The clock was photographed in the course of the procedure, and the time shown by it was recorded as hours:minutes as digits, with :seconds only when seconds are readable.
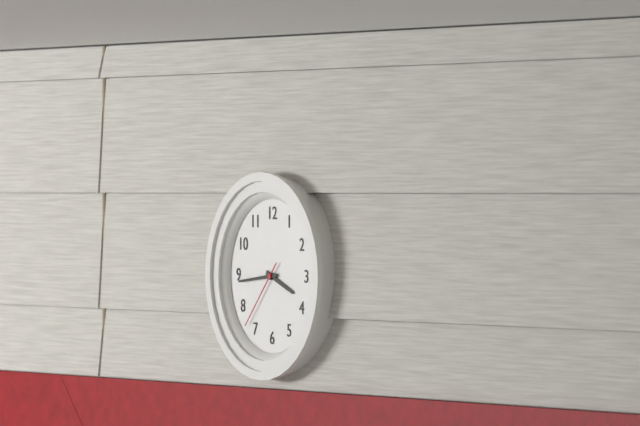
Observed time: 3:44:37
